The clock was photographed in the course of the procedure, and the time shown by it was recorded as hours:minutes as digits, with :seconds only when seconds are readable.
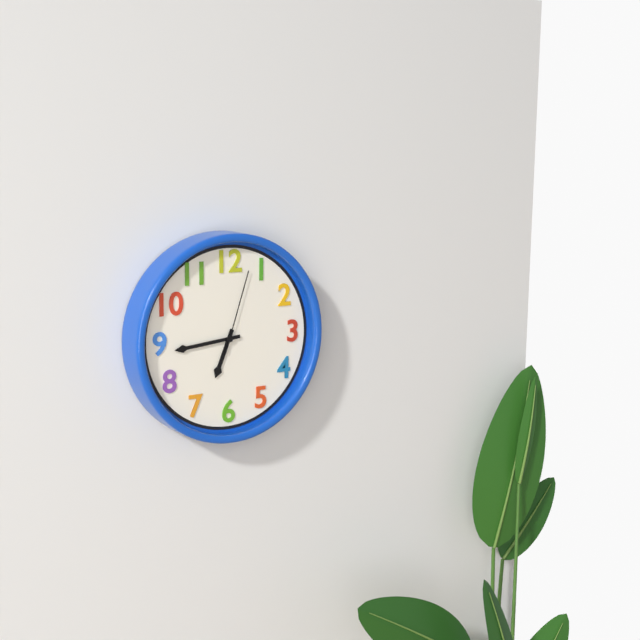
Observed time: 6:44:03
